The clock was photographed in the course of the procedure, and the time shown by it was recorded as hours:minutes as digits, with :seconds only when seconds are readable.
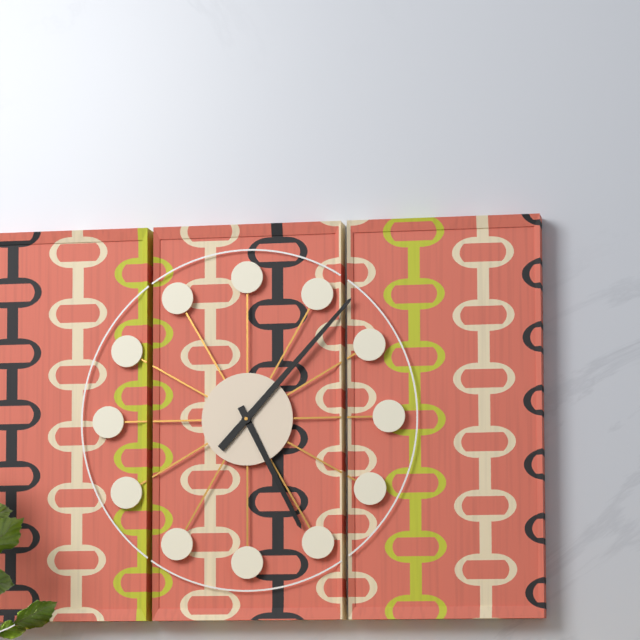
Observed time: 5:07
